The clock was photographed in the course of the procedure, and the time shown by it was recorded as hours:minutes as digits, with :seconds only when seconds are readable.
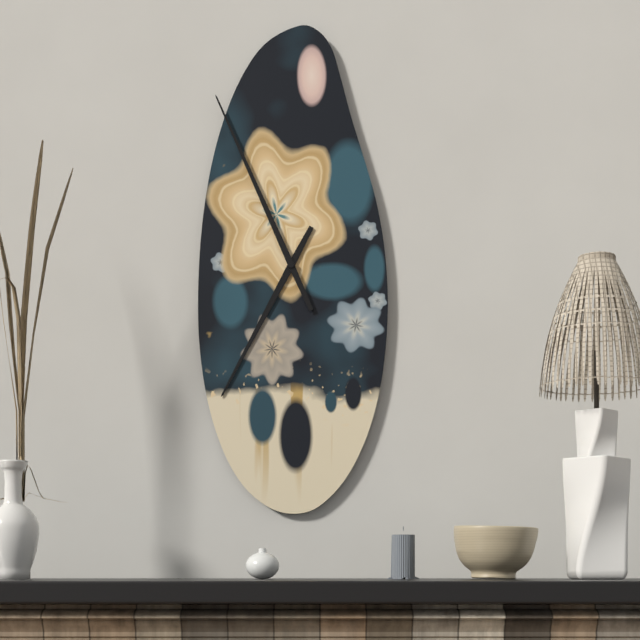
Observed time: 6:56
